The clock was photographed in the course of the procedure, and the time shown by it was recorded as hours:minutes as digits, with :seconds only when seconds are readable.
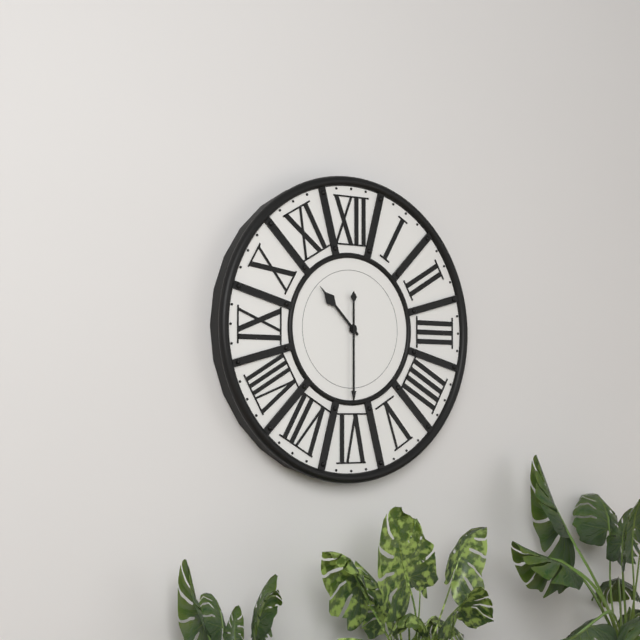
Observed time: 10:30
